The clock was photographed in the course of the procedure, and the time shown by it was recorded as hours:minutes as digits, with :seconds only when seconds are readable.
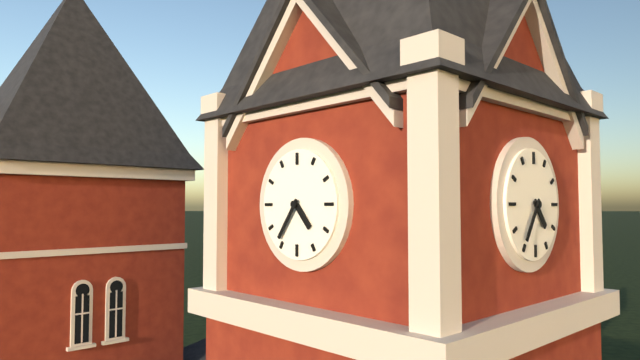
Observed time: 4:36
